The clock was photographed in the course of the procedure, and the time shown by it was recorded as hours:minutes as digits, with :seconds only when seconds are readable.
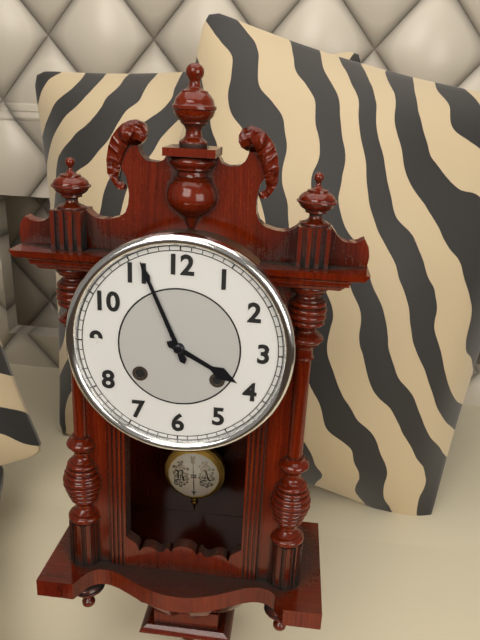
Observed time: 3:56
